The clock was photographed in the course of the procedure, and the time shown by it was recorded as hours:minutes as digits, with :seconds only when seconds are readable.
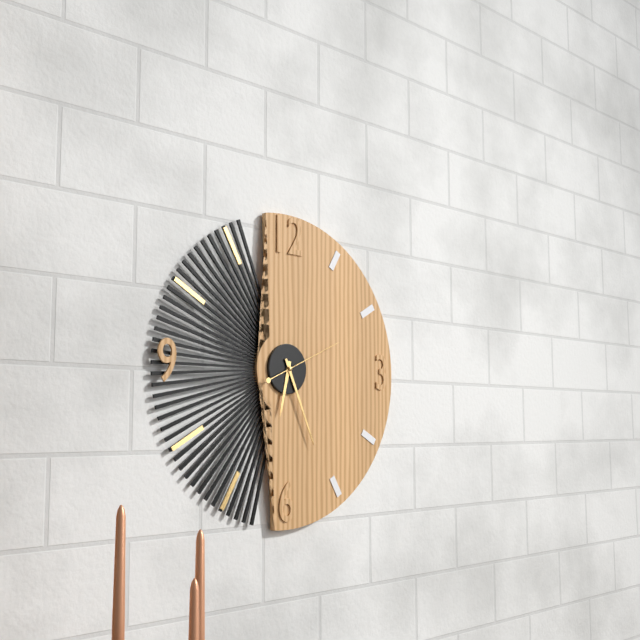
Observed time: 6:26:11
